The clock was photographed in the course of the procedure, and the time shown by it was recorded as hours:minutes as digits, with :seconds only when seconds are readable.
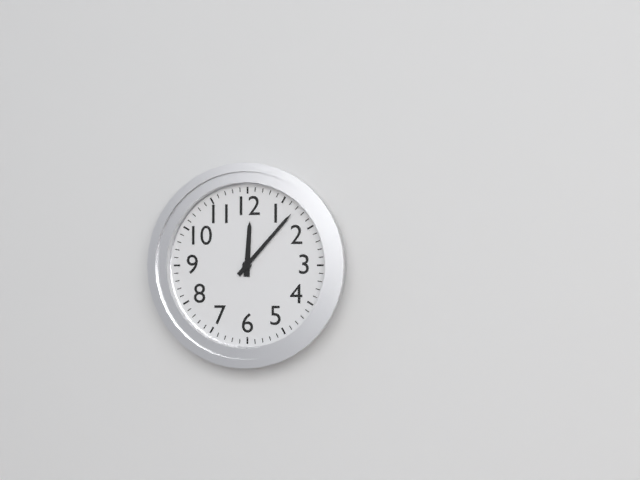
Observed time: 12:07
